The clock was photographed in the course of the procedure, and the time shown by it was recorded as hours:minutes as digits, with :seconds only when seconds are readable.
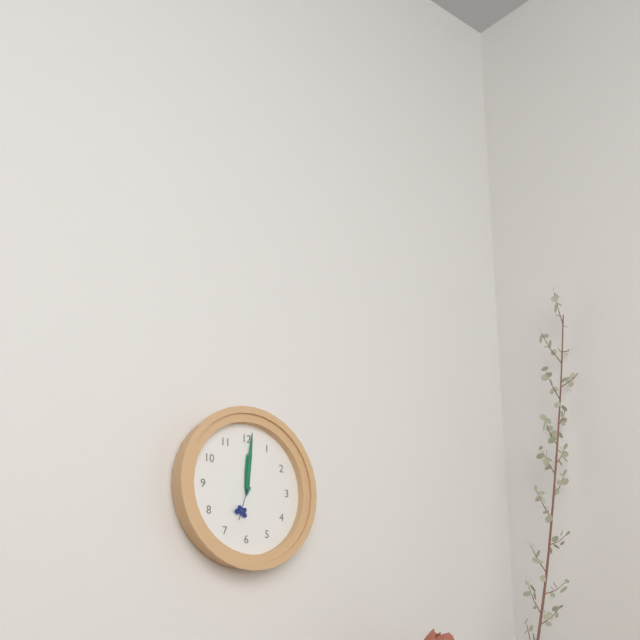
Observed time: 12:01
